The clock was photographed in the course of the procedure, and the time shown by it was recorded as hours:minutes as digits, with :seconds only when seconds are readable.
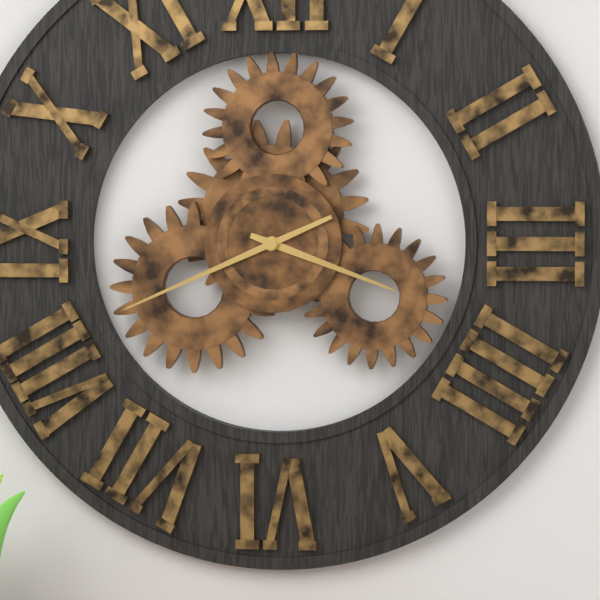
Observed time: 3:41
